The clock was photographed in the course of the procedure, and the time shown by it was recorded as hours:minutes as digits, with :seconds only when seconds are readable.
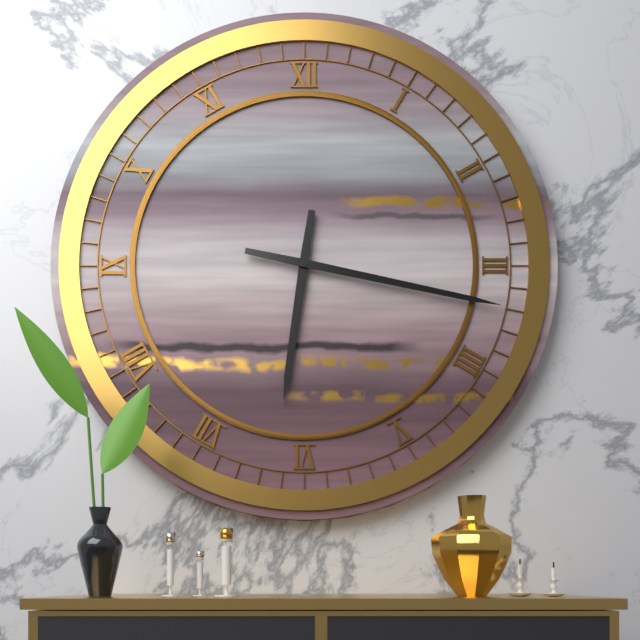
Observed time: 6:17
